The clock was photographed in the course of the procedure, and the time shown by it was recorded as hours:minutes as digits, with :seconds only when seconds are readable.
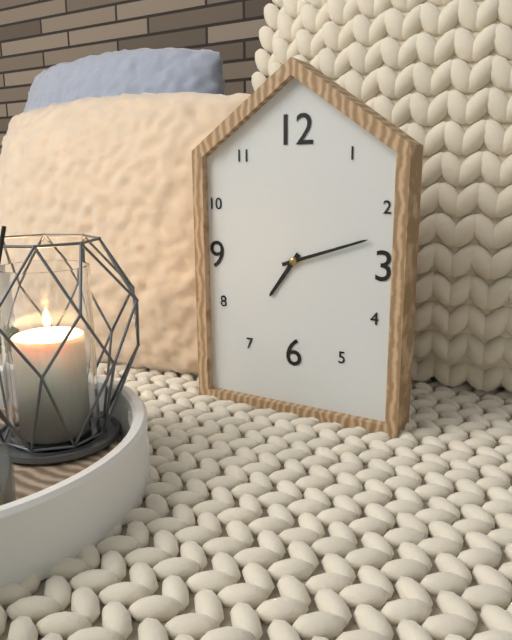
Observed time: 7:12
